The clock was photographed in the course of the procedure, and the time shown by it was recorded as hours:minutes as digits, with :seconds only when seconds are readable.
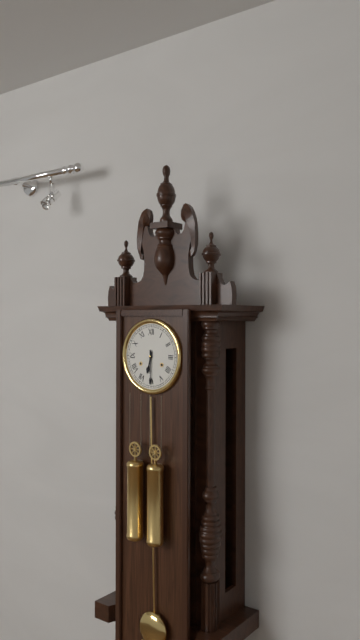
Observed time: 6:30
